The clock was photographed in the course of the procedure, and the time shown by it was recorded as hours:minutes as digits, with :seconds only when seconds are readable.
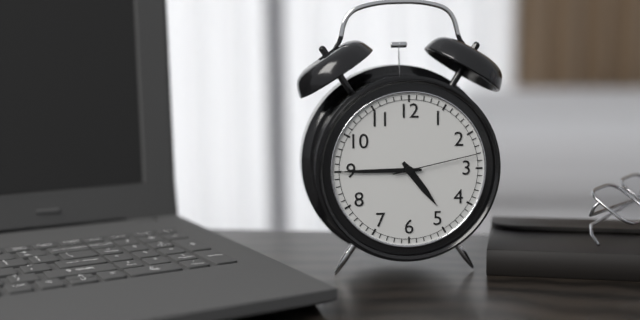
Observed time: 4:45:13
